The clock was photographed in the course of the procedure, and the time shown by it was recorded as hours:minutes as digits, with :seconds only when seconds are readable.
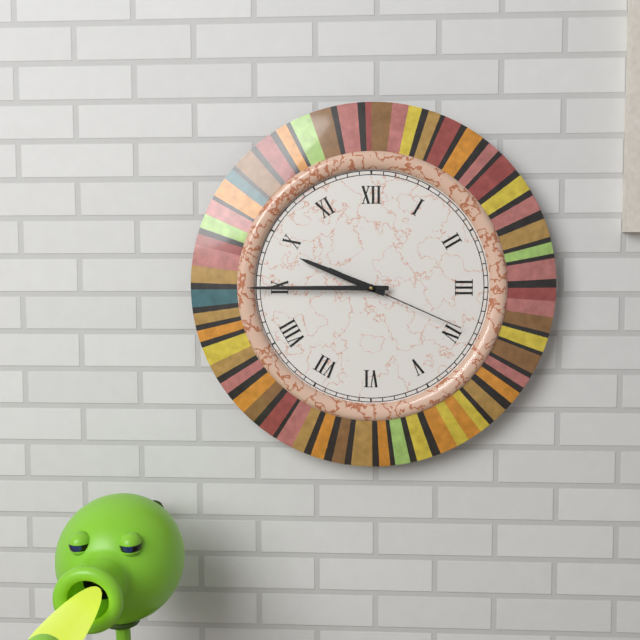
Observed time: 9:45:19
